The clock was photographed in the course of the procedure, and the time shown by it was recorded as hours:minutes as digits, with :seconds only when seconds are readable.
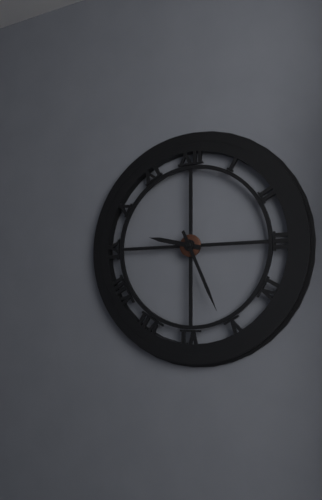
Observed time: 9:26
